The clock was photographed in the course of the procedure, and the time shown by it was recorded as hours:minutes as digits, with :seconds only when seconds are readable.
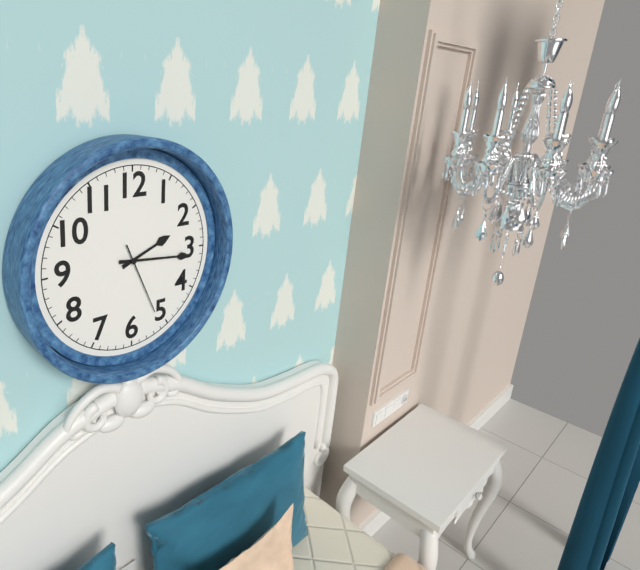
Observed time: 2:16:26
